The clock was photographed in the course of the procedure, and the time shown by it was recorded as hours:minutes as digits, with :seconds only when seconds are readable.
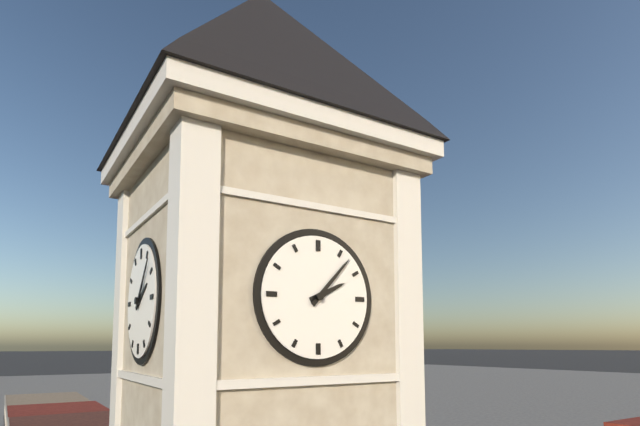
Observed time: 2:07
